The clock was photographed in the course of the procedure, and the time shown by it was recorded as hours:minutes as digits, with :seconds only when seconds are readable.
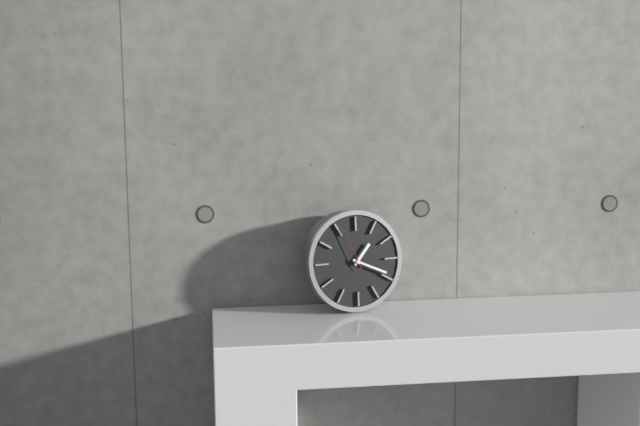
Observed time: 1:19
